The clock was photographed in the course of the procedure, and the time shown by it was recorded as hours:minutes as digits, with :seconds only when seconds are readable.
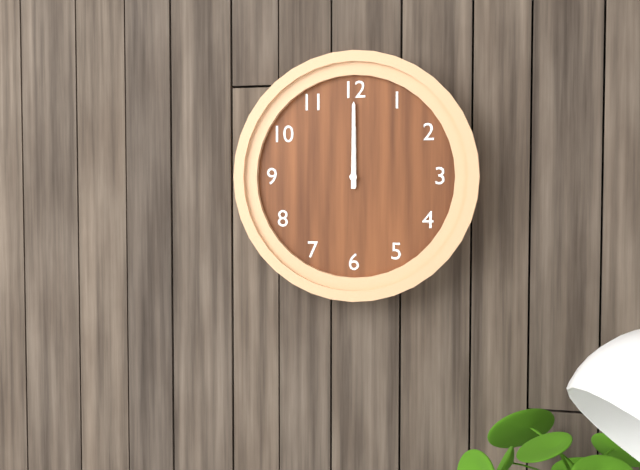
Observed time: 12:00
